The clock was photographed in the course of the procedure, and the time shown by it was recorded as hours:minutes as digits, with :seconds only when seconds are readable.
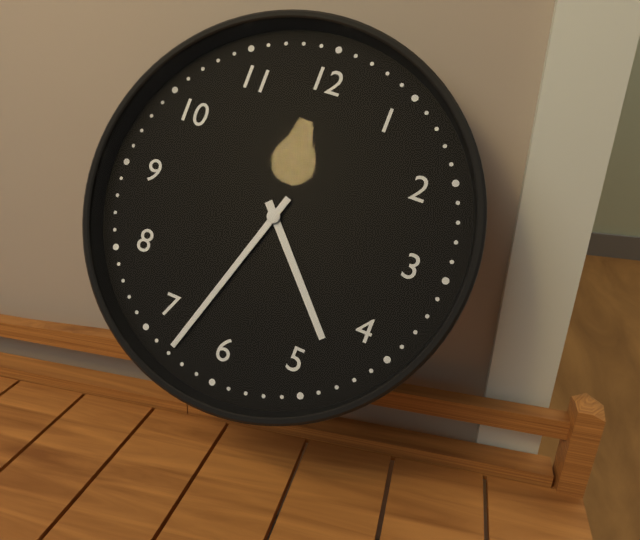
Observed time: 4:33
